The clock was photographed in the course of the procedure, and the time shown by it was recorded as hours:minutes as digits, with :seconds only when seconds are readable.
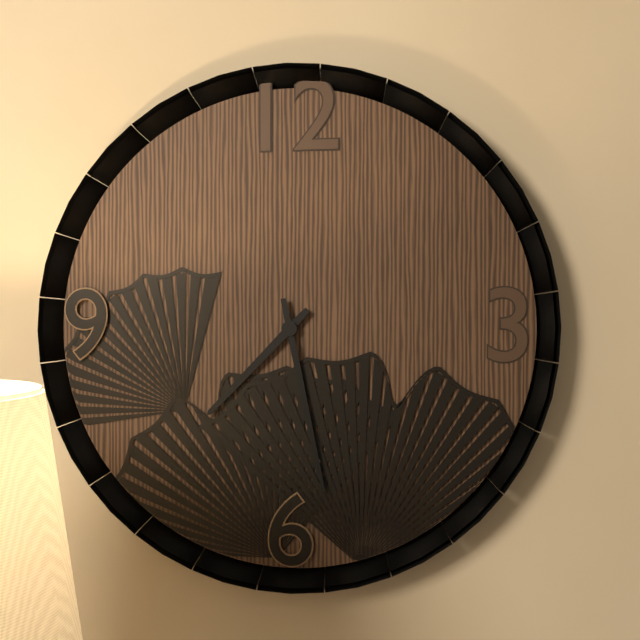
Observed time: 7:28
